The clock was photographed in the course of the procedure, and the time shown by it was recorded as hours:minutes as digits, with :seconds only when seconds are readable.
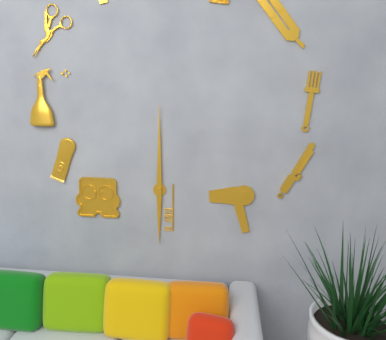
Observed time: 6:00
